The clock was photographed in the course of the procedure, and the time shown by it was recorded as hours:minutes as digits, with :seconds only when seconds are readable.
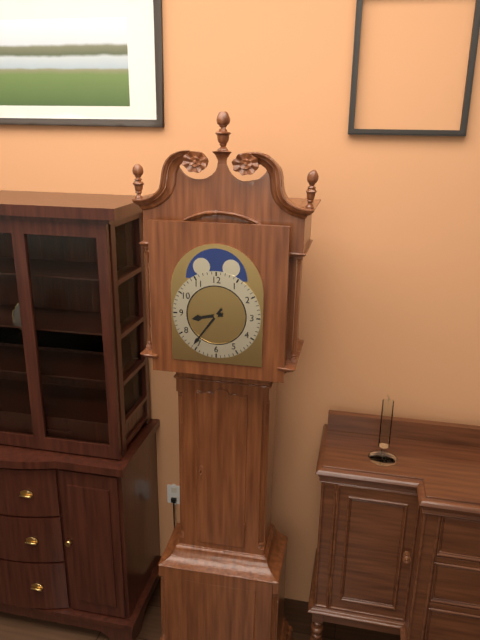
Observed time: 8:36
